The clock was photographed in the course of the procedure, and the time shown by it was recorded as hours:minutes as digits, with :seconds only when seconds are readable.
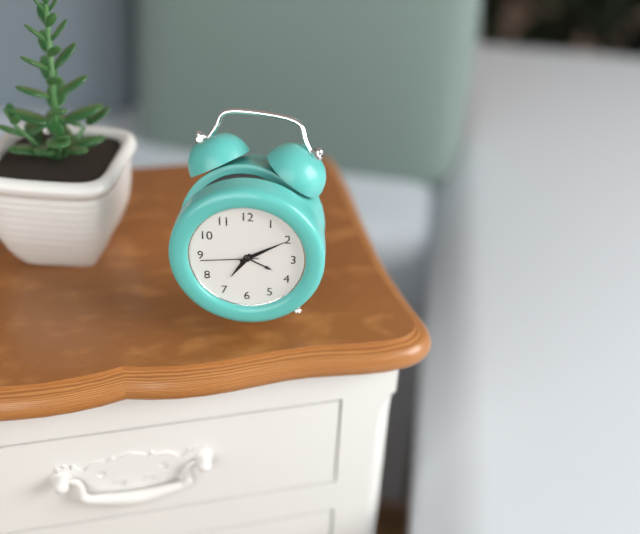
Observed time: 7:10:44
